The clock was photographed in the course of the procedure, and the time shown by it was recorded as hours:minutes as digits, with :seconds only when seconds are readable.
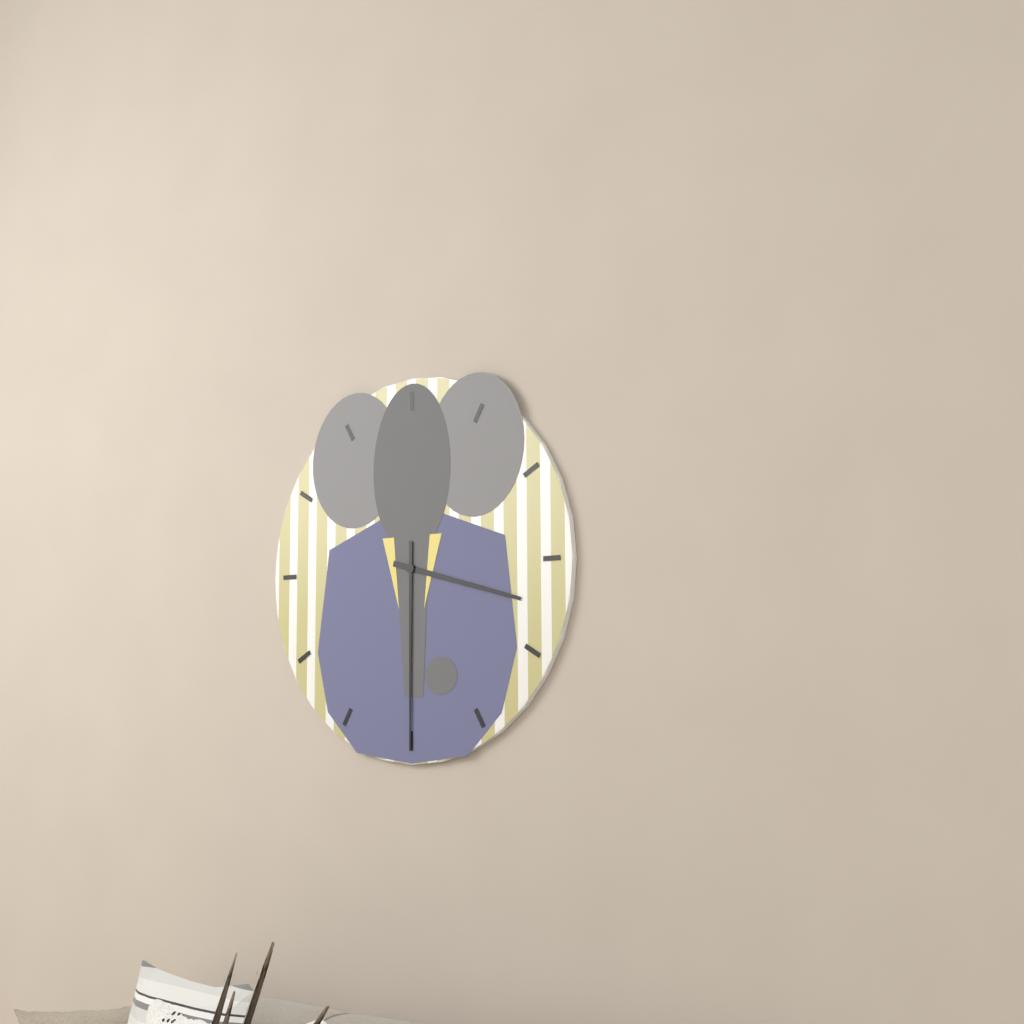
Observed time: 3:30
